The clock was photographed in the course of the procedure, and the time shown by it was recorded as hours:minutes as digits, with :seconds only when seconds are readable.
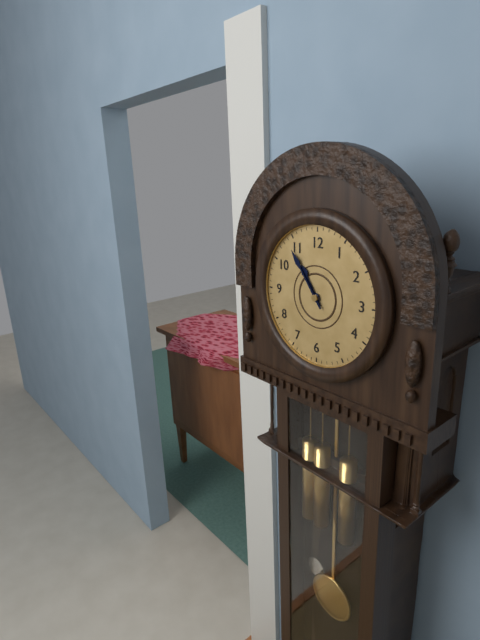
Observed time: 10:54
